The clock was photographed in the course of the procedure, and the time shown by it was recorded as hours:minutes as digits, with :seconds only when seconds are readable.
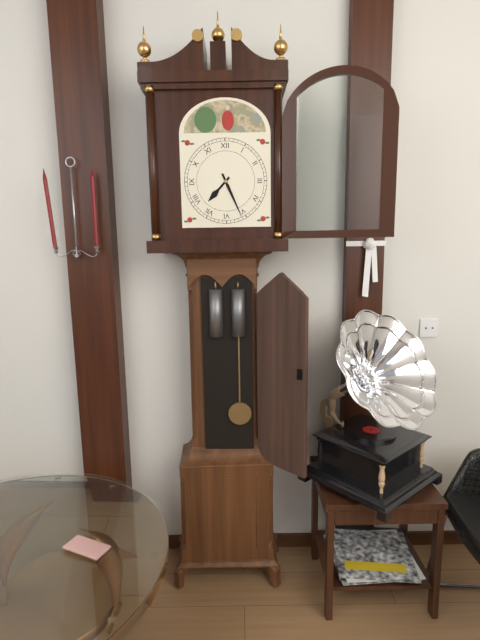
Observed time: 7:26
